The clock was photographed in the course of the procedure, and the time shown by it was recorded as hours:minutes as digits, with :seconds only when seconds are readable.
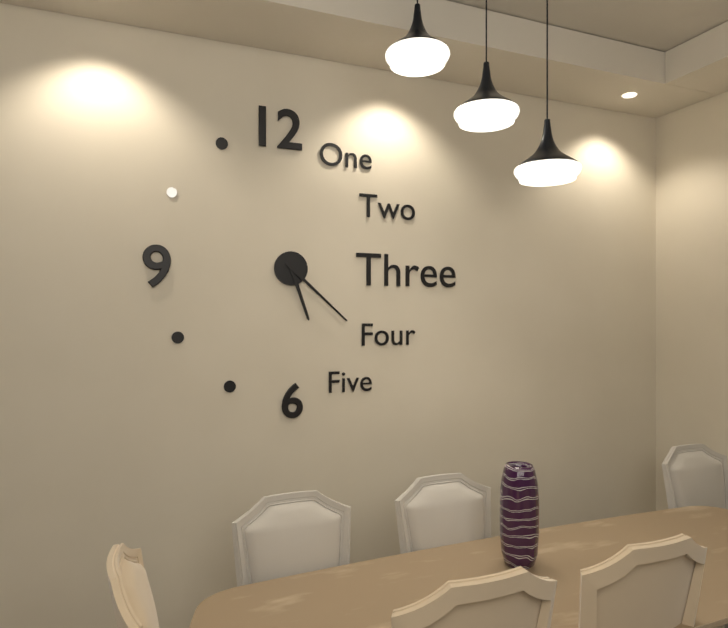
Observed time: 5:22
